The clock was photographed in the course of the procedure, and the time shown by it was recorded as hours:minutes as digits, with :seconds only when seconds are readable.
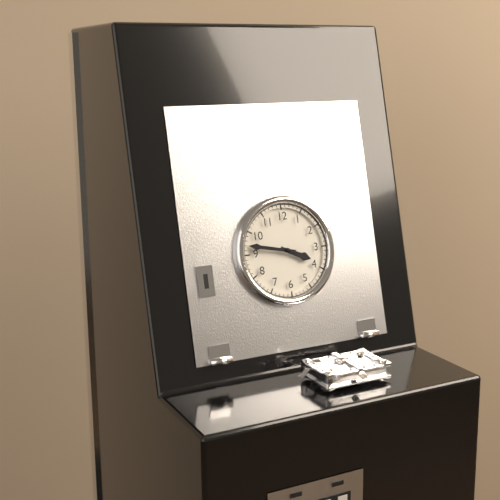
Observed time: 3:47
